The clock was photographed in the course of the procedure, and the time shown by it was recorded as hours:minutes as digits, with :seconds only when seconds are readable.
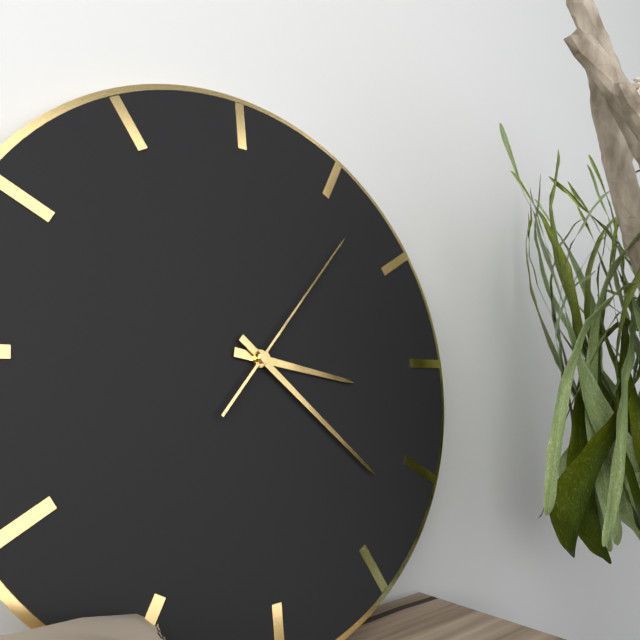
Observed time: 3:22:07
